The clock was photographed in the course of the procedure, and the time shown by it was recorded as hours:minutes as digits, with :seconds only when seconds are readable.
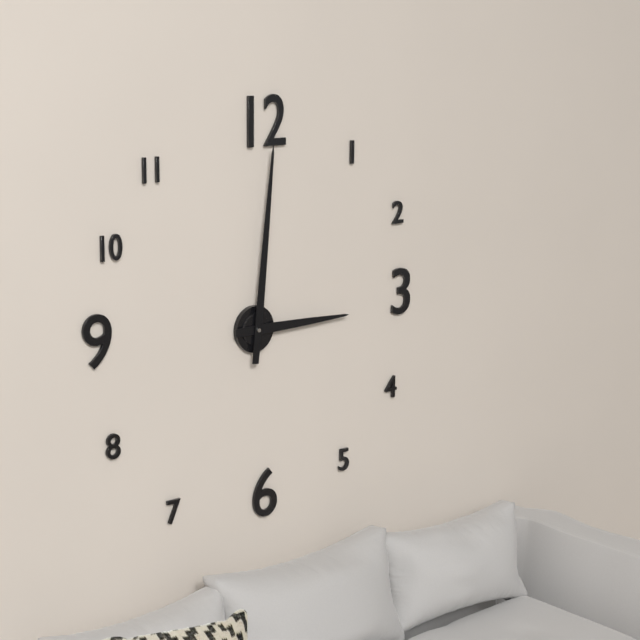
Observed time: 3:01
